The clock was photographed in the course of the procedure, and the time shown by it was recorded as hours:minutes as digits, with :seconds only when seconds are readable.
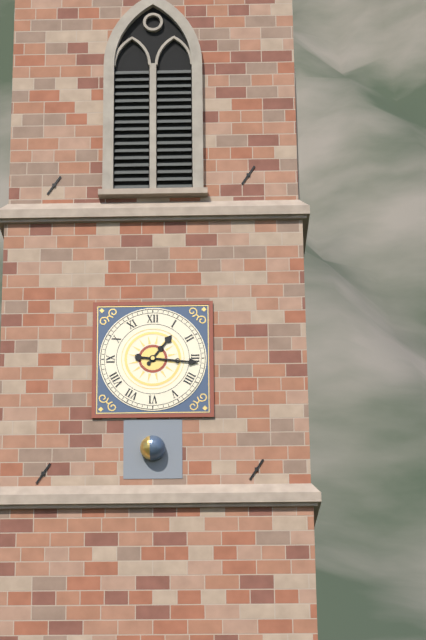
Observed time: 1:16
